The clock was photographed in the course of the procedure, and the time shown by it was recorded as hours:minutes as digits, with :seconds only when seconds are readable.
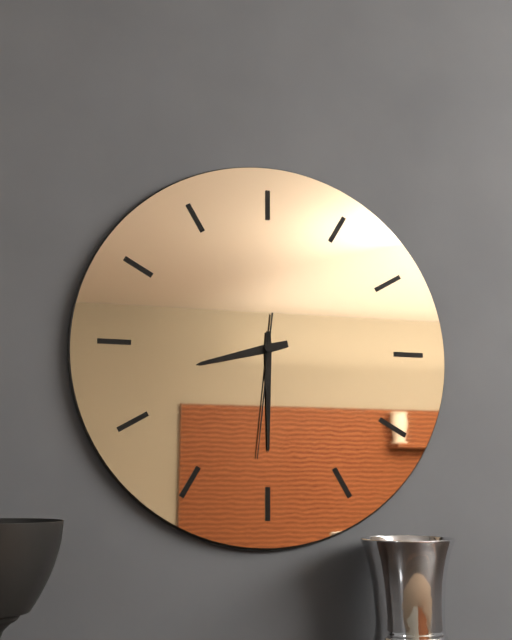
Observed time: 8:30:31
